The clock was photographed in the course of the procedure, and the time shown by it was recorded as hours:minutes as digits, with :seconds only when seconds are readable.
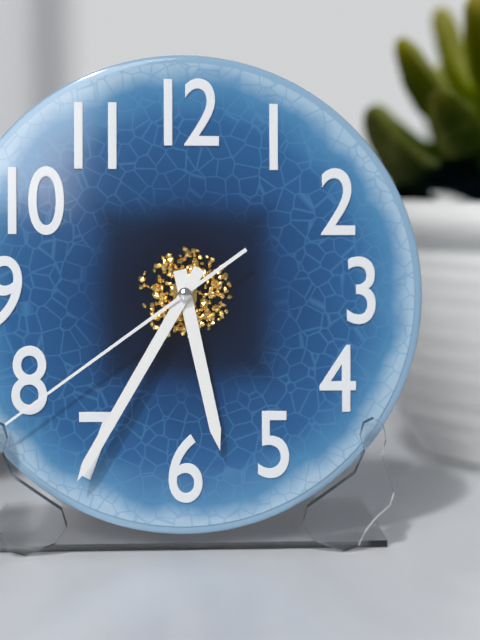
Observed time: 5:35:39
